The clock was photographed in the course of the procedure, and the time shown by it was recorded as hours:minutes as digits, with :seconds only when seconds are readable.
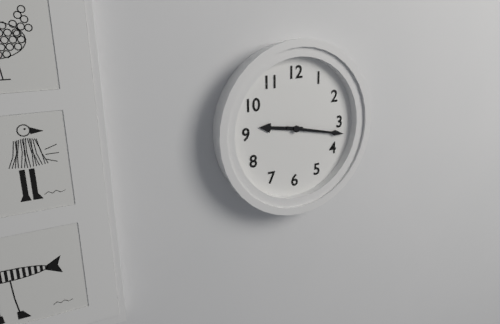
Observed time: 9:17
